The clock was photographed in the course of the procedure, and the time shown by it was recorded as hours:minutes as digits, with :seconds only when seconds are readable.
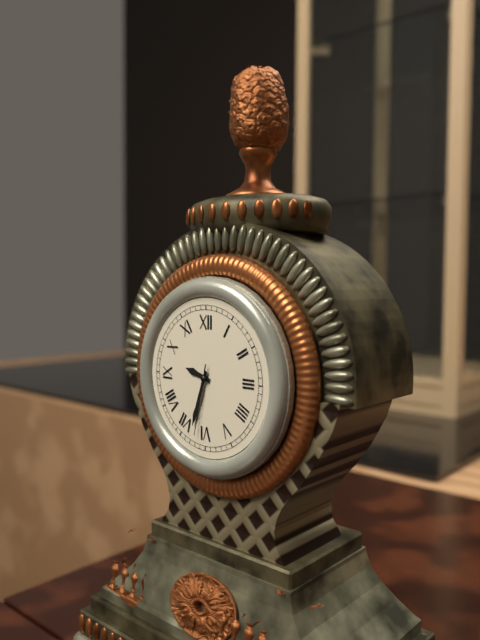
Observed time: 9:33:32
